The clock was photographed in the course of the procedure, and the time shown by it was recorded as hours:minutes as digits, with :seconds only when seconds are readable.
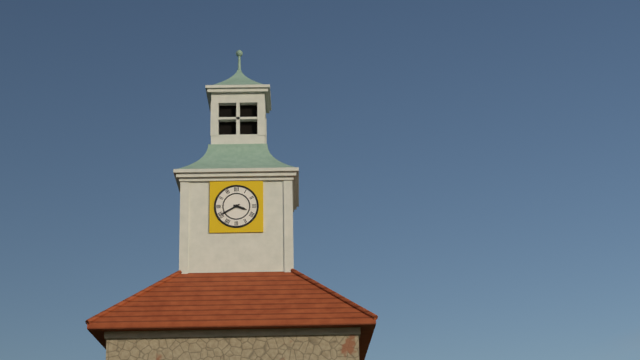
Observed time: 3:40
